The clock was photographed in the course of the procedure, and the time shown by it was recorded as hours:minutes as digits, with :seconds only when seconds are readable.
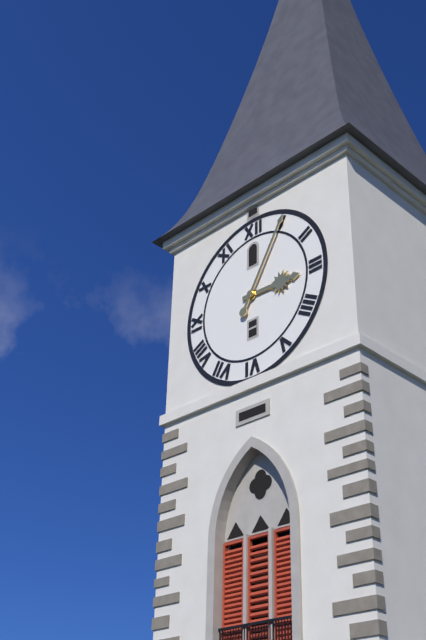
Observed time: 3:05
